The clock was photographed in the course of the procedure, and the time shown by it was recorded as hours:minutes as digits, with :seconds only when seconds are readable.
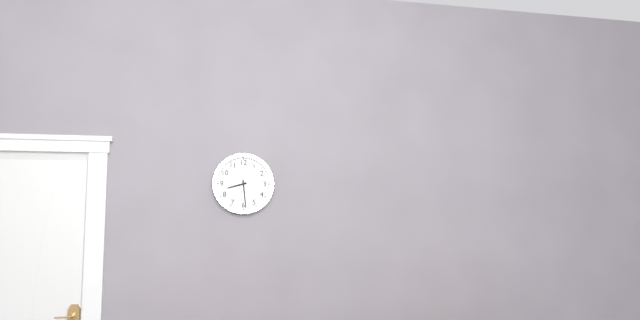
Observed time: 8:29
